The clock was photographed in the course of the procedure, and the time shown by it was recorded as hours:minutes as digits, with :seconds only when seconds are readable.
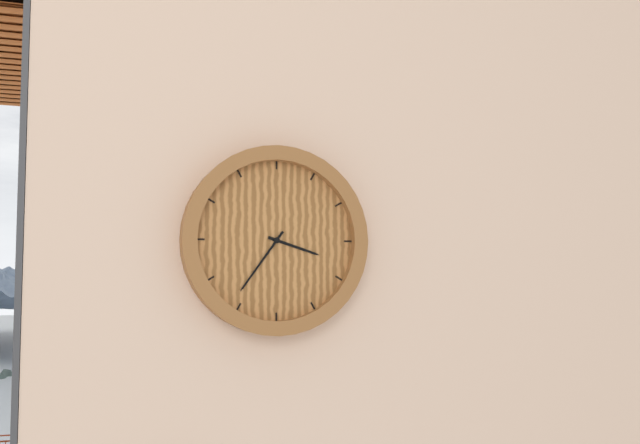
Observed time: 3:36
